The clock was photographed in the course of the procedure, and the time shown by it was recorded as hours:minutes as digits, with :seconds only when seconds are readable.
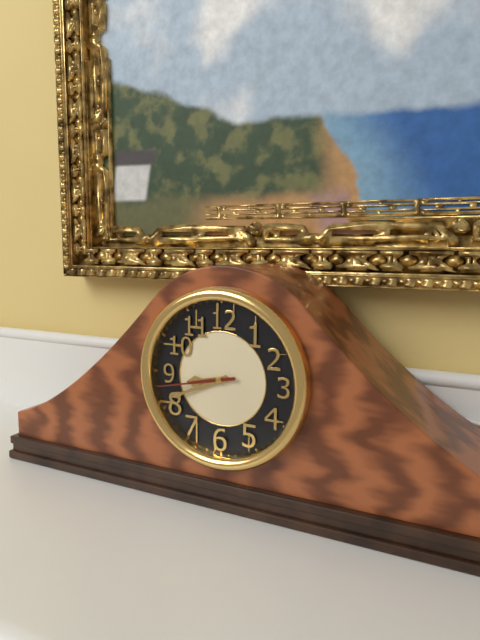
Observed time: 8:41:43
